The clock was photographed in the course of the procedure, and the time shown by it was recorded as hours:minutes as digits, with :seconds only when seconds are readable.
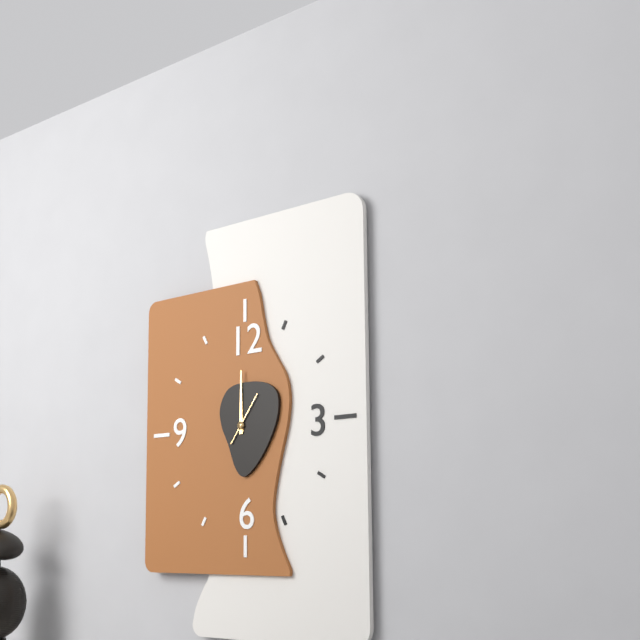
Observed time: 12:00
